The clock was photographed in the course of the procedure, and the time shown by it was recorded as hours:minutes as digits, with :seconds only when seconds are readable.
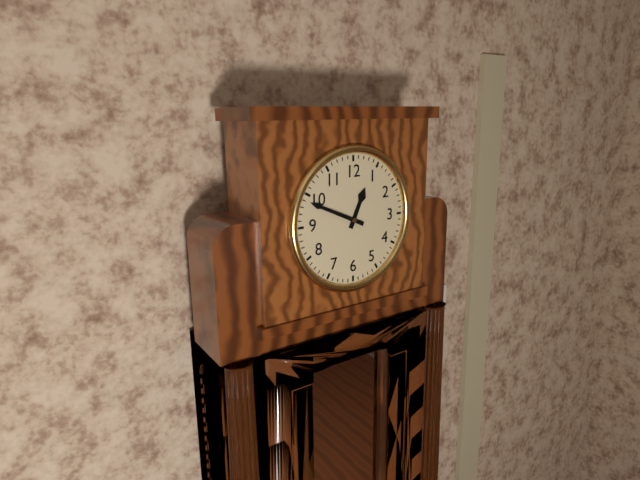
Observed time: 12:49
